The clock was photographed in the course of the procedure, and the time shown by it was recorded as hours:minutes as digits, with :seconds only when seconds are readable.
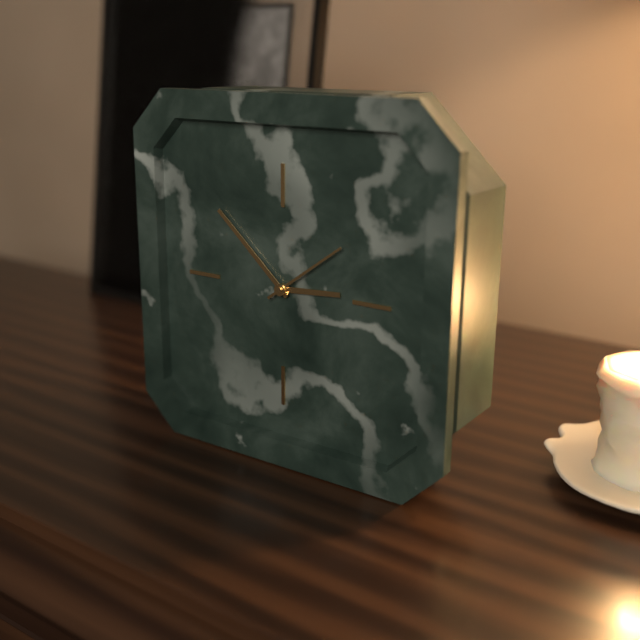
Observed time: 2:52:09
